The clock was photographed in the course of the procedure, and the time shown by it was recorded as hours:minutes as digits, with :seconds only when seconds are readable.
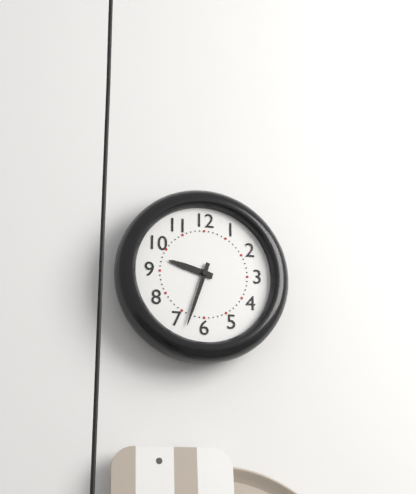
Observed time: 9:33
